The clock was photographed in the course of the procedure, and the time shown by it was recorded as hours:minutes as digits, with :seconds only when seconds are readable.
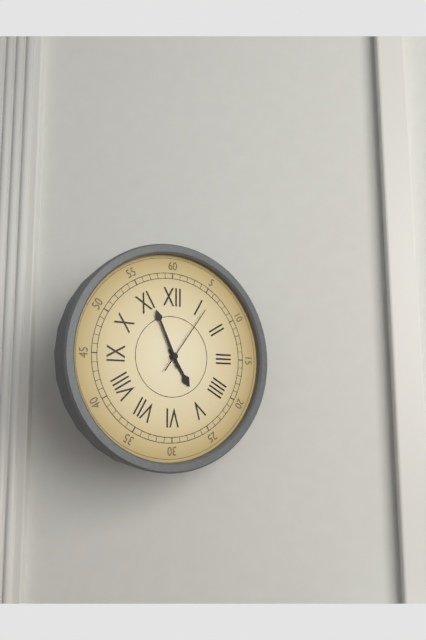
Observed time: 4:56:06
